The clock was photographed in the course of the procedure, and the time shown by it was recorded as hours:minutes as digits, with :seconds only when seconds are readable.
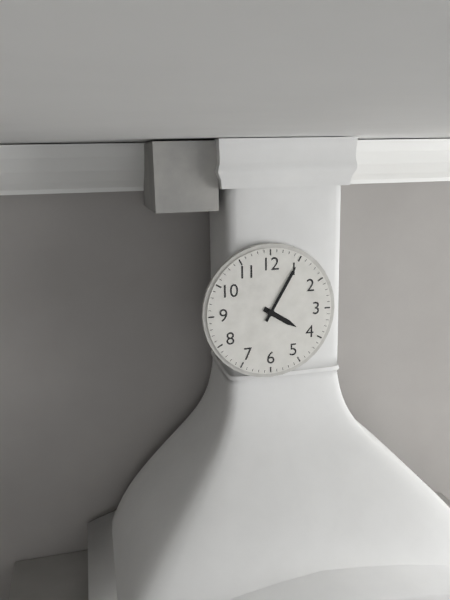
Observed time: 4:05
